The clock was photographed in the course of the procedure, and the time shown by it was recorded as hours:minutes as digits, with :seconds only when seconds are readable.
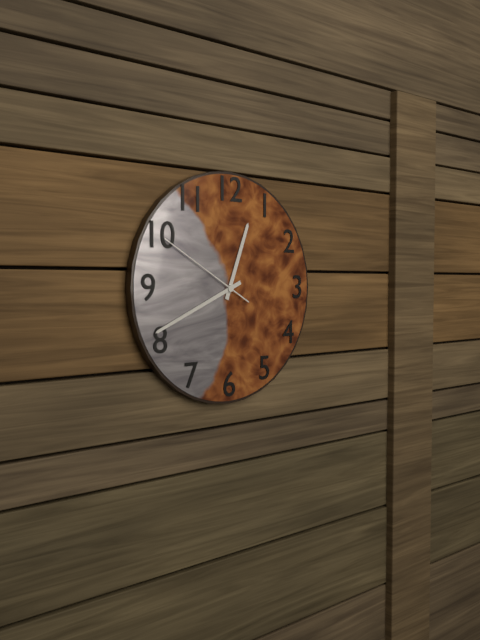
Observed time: 12:41:50
